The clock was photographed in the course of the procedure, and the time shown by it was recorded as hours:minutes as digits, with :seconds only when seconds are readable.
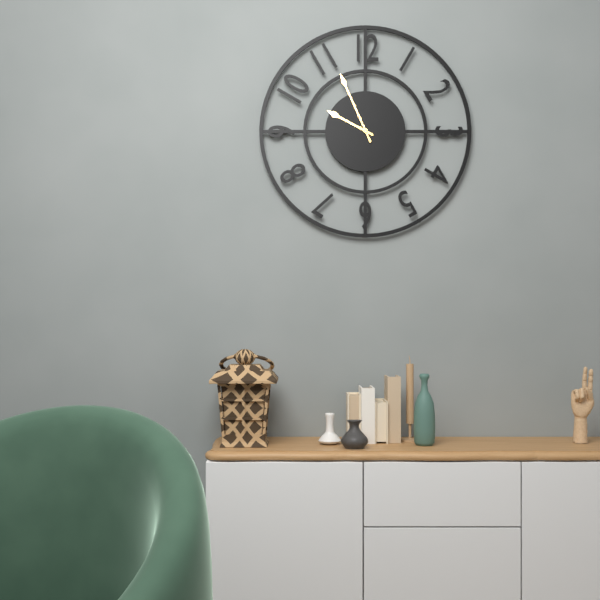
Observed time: 9:56
